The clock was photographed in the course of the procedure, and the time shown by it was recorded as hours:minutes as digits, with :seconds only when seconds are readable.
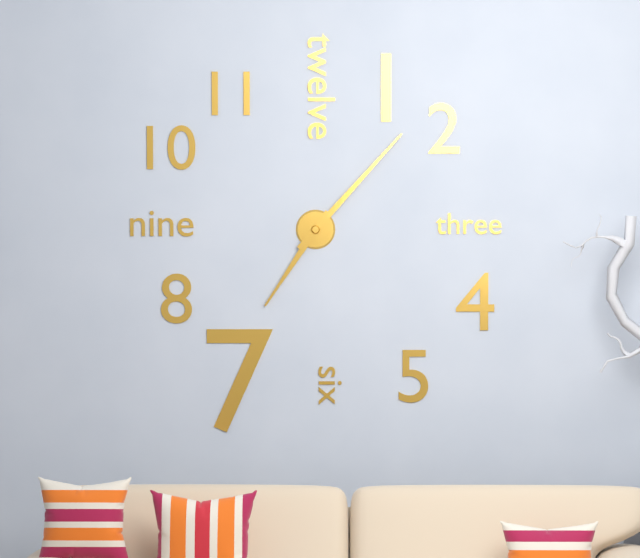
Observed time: 7:07
